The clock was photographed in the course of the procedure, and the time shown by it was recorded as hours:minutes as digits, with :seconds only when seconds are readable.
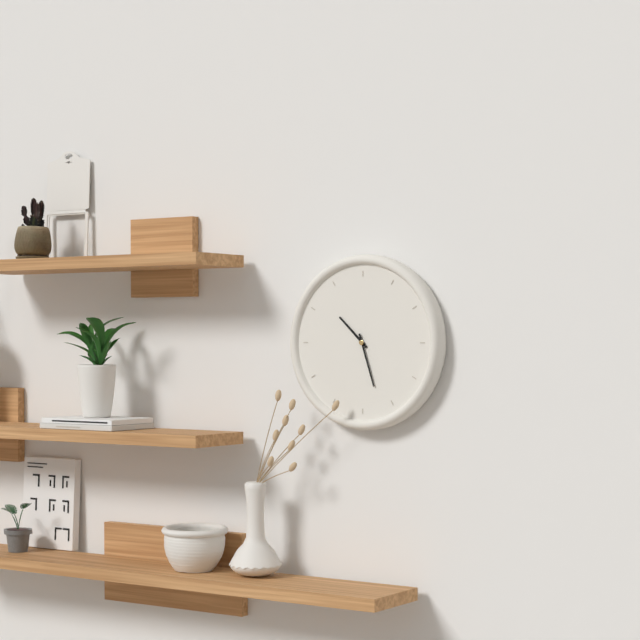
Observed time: 10:27
